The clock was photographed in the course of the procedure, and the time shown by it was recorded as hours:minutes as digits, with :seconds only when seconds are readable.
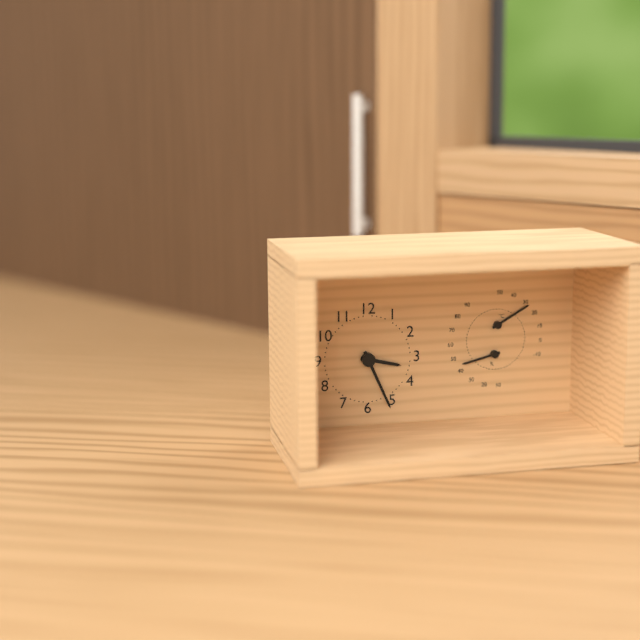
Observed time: 3:26
